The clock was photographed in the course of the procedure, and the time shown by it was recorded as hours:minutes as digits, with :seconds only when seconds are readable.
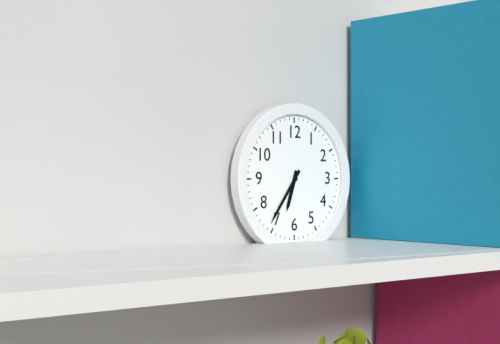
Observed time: 6:36
